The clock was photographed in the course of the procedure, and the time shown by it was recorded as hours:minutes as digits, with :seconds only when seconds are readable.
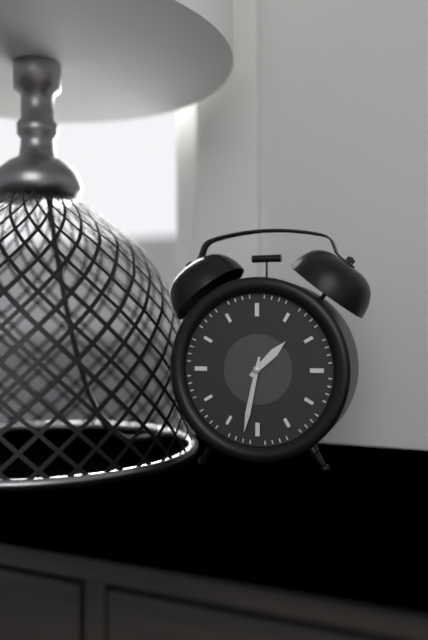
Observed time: 1:32
